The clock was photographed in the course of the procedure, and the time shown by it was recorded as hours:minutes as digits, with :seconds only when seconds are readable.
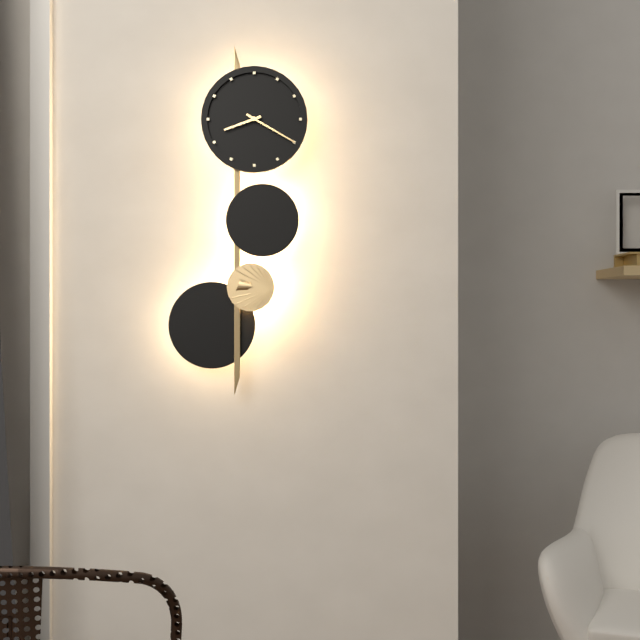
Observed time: 8:20
